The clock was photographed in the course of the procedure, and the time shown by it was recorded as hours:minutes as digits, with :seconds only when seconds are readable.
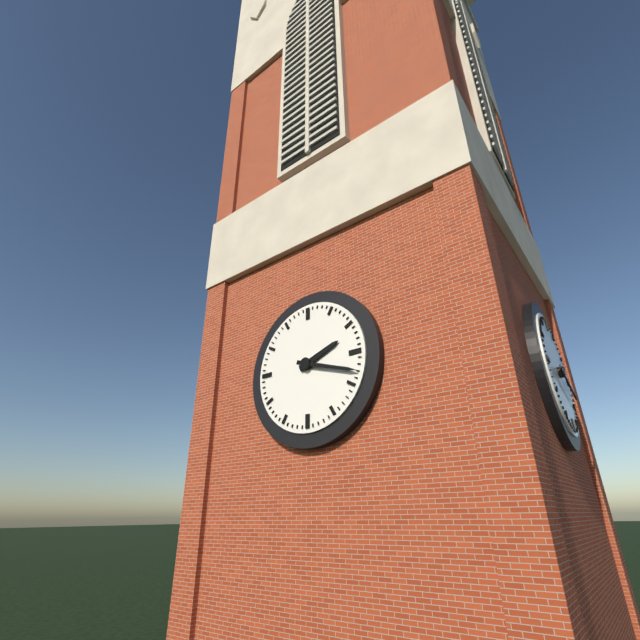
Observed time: 2:18
